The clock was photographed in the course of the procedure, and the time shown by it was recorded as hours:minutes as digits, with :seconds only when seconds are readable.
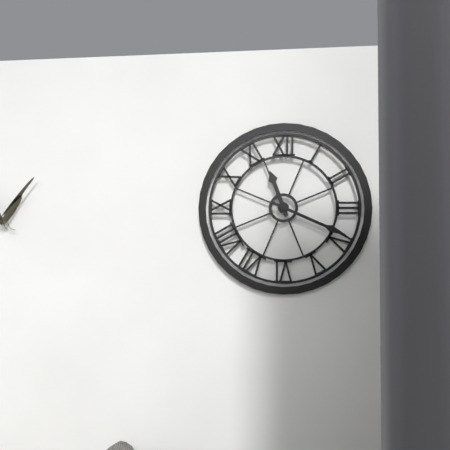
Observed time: 11:19
